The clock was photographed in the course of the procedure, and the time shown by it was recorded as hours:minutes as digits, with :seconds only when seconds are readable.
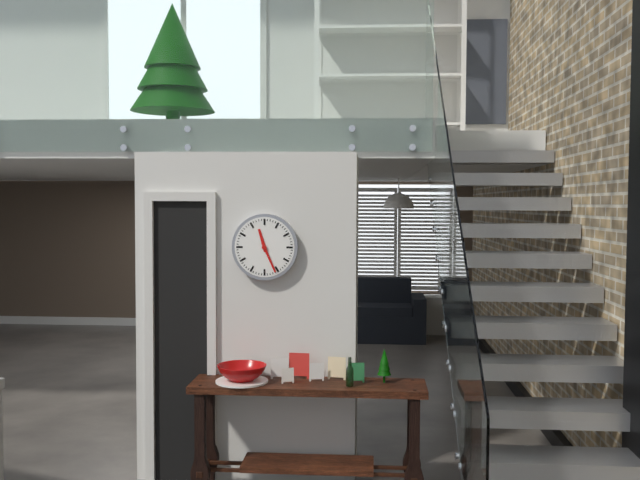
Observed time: 11:26
